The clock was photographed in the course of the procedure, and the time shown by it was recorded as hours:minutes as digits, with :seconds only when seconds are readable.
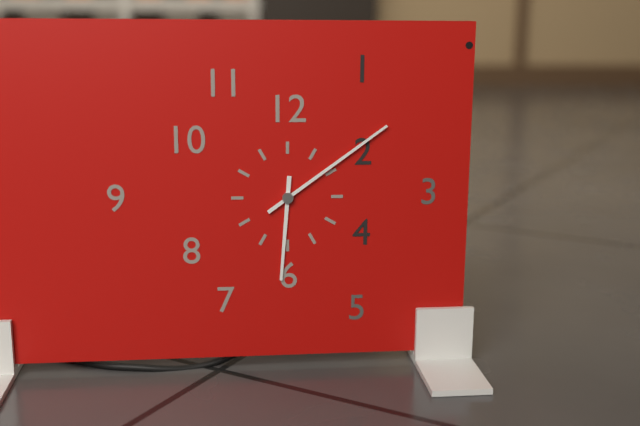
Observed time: 6:09
